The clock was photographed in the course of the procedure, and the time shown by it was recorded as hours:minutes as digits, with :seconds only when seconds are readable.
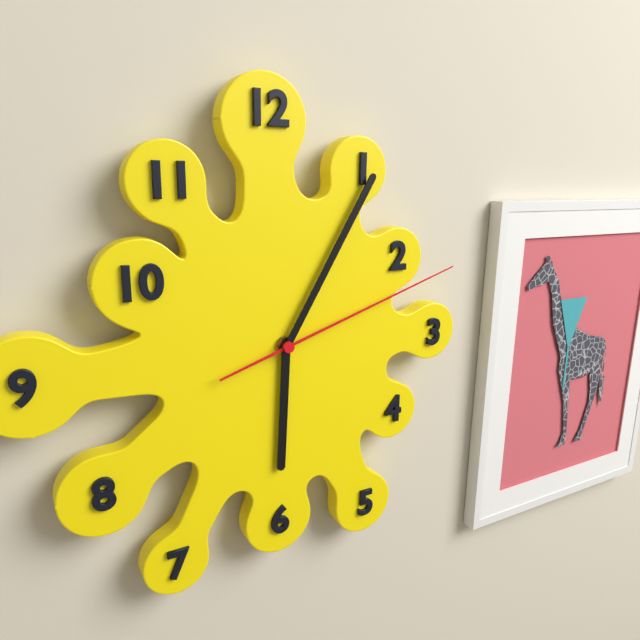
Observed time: 6:05:12
